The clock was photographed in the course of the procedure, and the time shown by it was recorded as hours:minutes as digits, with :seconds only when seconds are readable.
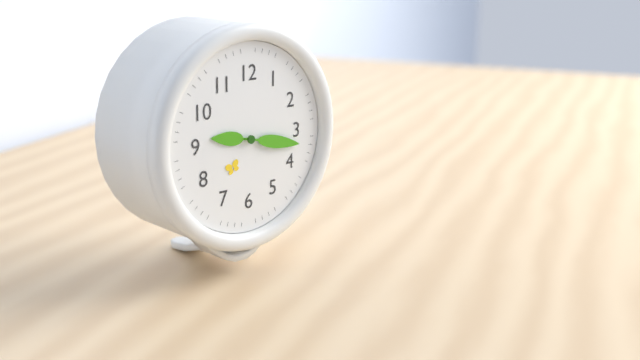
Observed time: 9:17
